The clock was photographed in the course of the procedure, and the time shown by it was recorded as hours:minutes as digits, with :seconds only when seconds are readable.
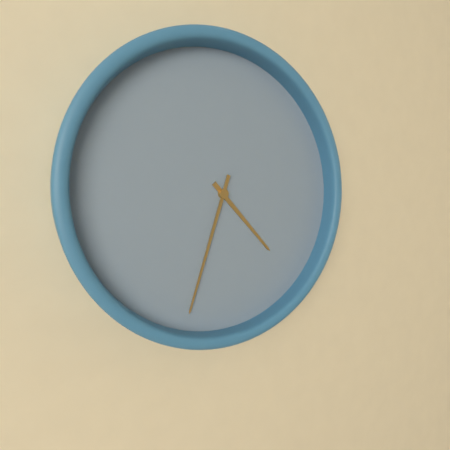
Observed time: 4:33
